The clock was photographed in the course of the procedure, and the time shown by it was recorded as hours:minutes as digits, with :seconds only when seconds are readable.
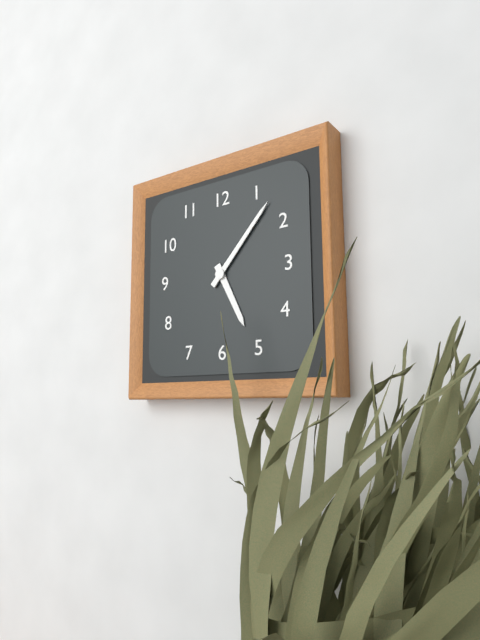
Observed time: 5:07
